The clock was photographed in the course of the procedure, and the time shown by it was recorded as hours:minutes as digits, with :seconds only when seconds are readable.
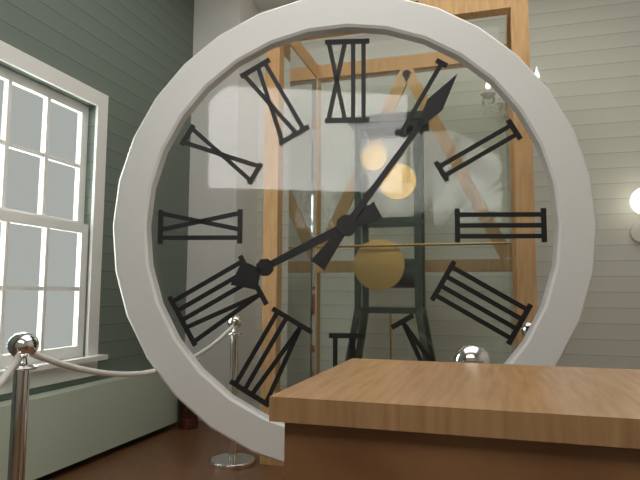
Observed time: 8:06
